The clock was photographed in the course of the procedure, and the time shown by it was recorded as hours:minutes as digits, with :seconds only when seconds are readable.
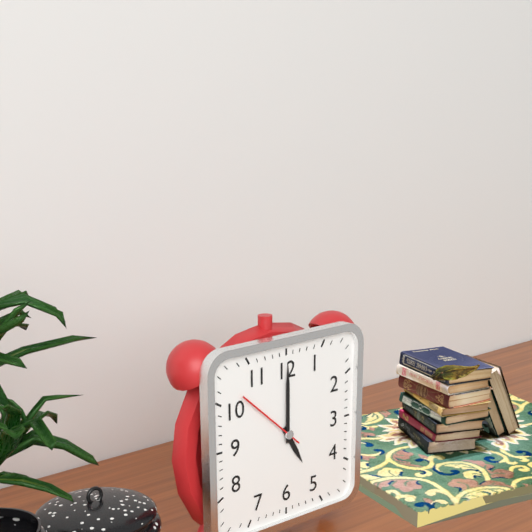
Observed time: 5:00:52
